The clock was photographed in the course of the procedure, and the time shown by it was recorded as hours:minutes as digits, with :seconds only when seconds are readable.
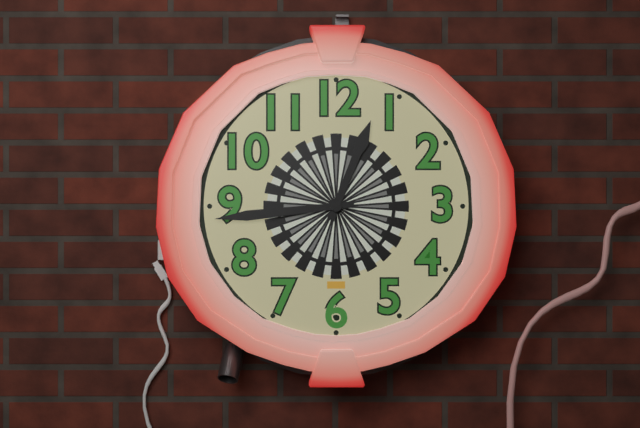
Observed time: 12:44
